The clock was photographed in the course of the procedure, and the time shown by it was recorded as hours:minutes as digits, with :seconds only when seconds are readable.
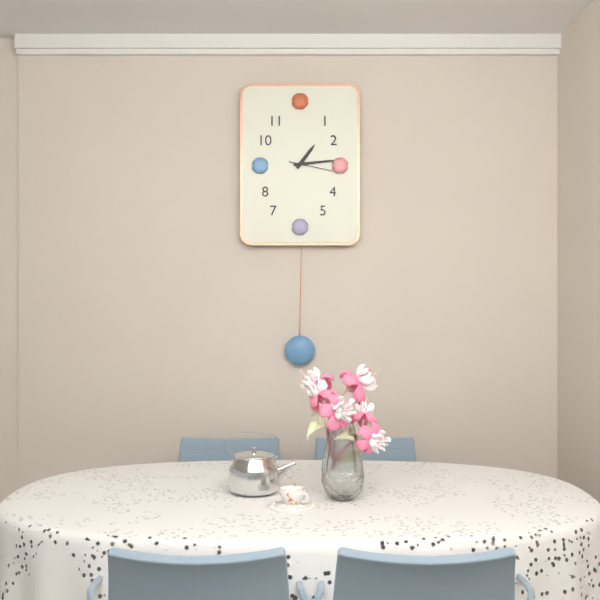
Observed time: 1:14:17
